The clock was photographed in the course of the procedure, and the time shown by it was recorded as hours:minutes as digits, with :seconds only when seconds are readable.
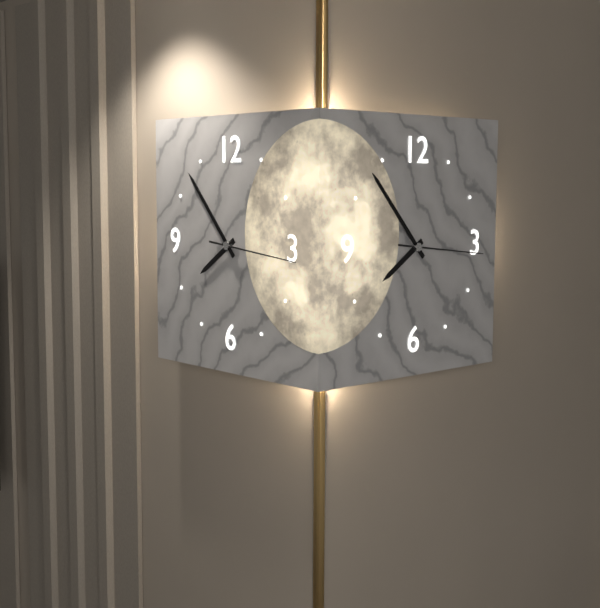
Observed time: 7:53:16
